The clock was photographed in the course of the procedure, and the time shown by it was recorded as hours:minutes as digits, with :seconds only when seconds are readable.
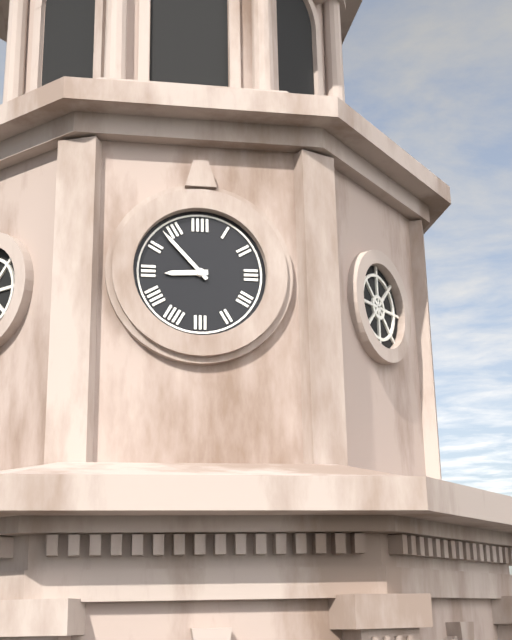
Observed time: 8:53
